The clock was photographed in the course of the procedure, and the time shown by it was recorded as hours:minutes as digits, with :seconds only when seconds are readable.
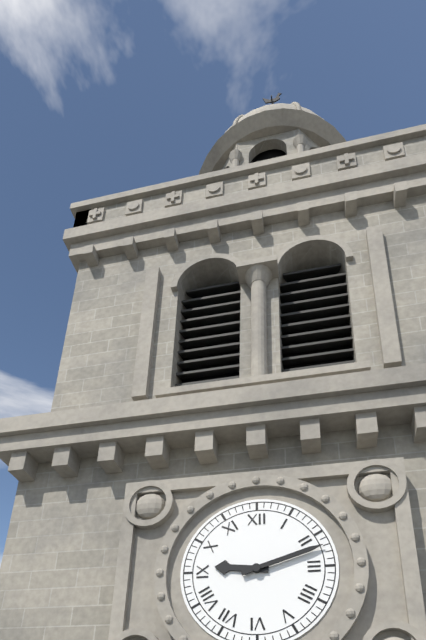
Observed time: 9:12
